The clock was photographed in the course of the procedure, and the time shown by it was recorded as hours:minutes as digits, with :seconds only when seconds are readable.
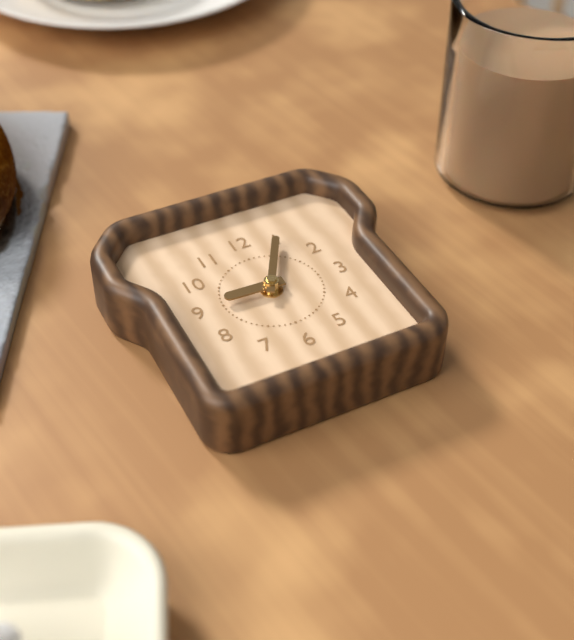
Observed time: 9:05
